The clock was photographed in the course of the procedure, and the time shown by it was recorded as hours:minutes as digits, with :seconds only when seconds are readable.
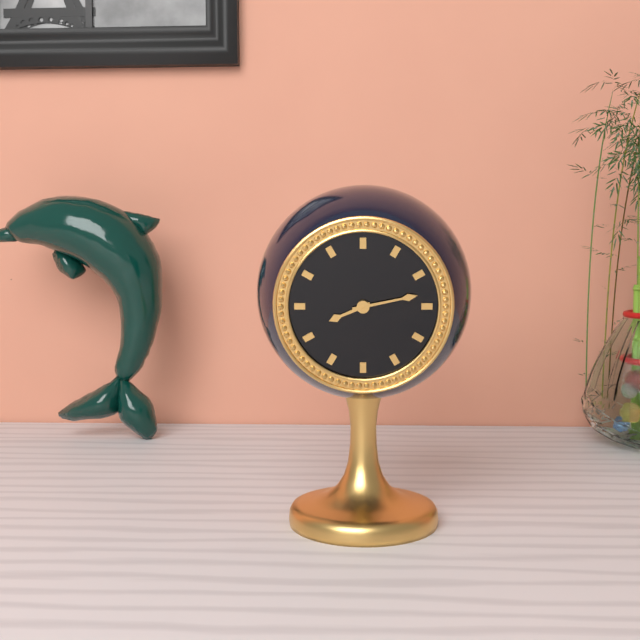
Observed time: 8:13
